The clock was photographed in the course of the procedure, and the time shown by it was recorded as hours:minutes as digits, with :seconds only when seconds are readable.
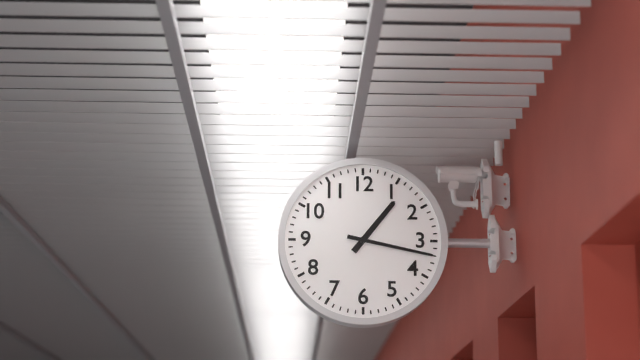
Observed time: 1:17
